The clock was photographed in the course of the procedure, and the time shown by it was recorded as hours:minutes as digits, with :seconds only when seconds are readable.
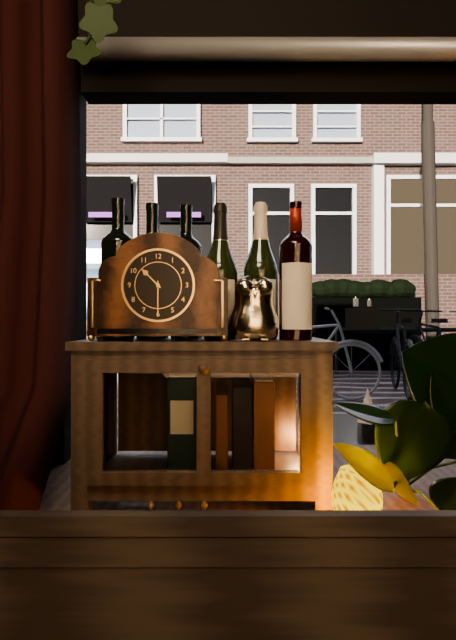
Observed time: 10:30
